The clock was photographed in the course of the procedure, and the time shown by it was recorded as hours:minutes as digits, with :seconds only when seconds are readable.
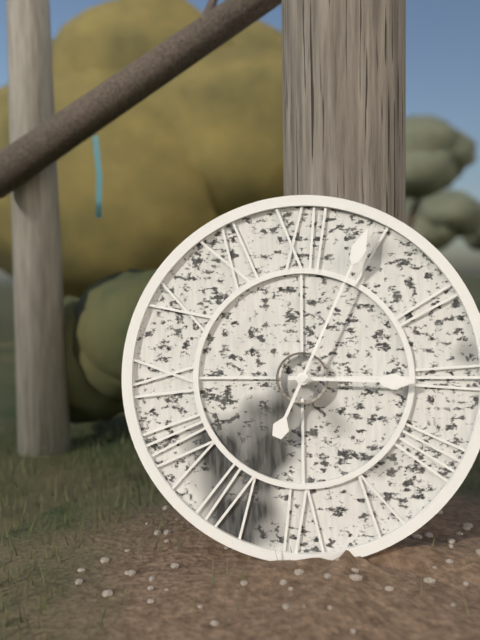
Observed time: 3:04
